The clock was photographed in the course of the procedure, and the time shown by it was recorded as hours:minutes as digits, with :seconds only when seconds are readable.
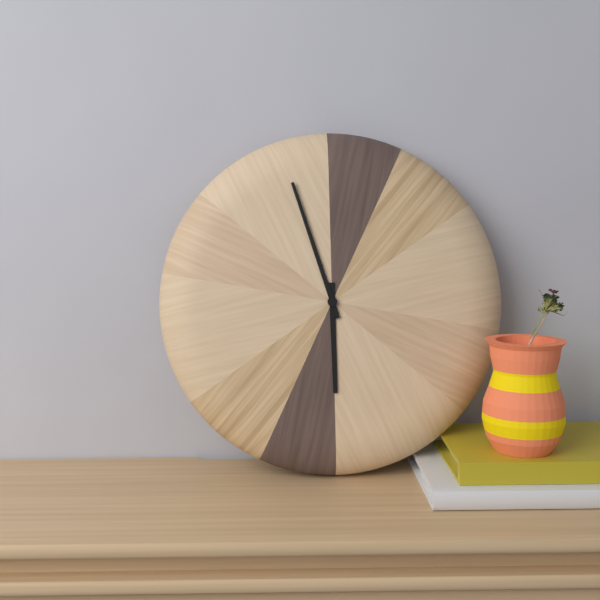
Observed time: 5:57
